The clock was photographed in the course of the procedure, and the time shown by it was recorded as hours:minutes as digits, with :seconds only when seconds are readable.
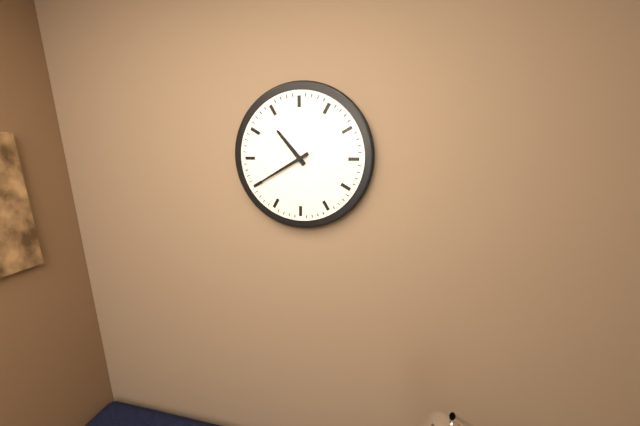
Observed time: 10:40
